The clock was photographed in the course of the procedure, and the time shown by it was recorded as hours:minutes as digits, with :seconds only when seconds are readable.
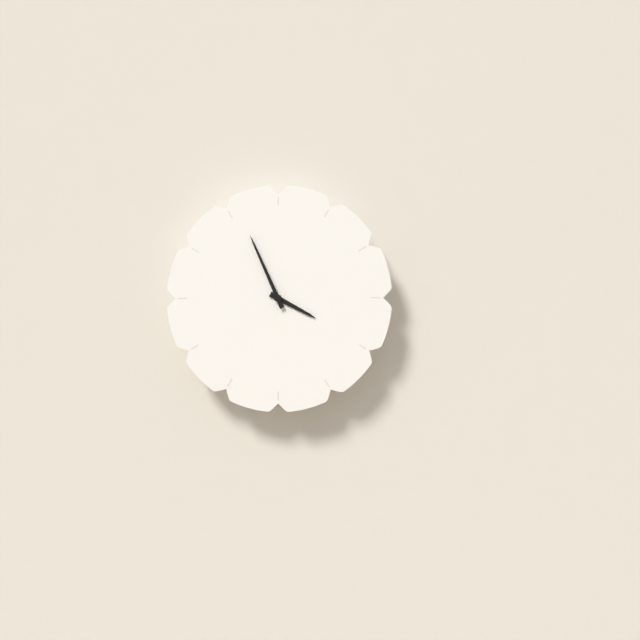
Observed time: 3:56
